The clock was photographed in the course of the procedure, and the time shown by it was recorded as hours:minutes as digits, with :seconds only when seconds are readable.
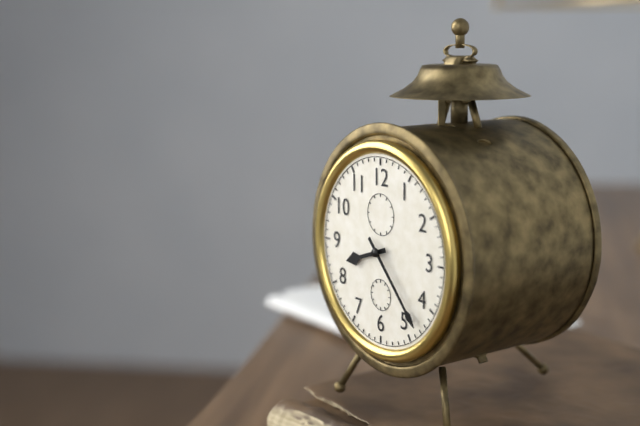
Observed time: 8:23
